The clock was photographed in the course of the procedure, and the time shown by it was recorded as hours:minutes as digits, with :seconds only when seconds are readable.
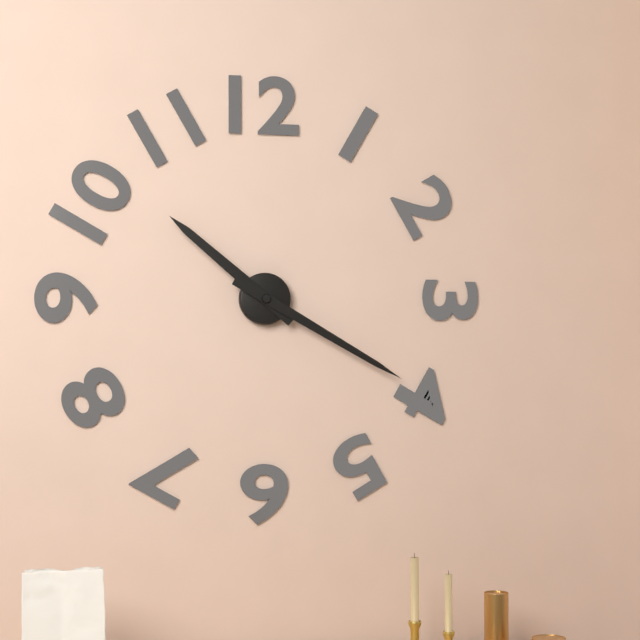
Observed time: 10:20
